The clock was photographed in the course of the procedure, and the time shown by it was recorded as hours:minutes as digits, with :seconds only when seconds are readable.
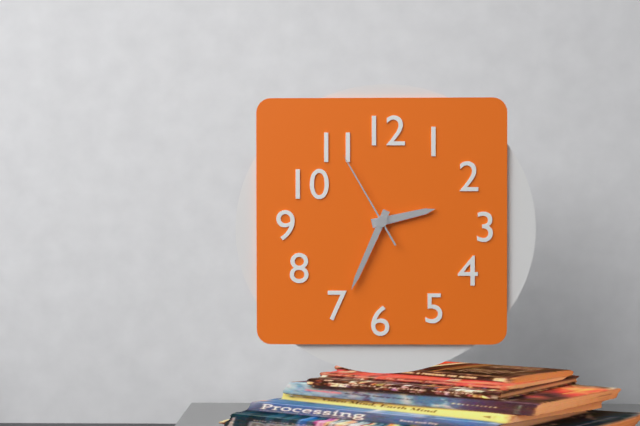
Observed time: 2:34:55
